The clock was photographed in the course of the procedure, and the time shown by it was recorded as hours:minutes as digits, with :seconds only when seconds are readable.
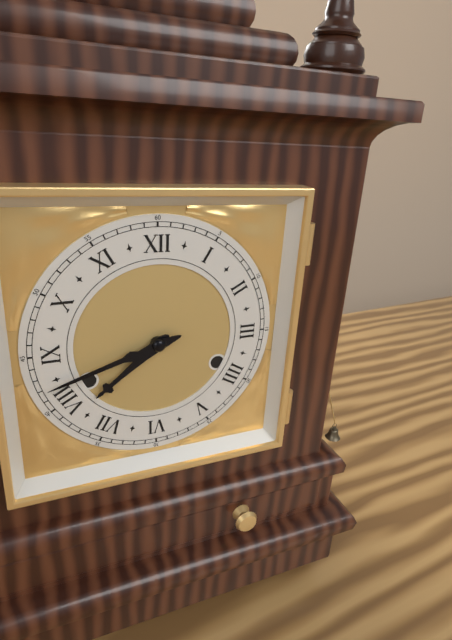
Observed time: 7:42
